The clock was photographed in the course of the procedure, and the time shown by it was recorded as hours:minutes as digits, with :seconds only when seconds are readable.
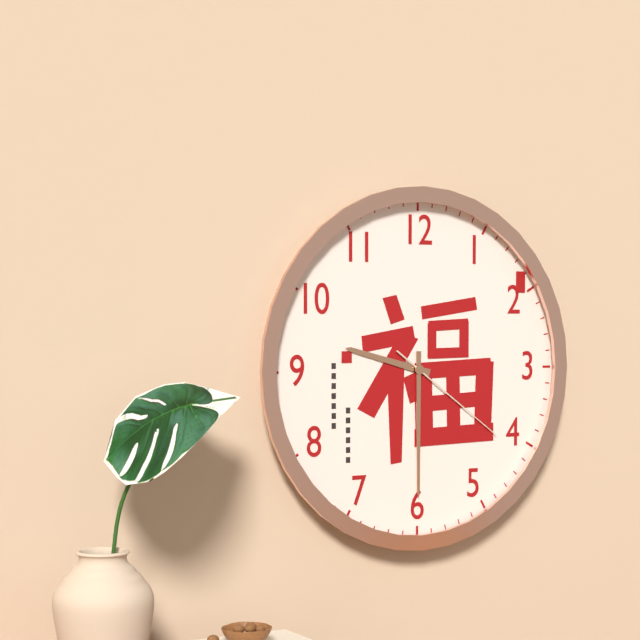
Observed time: 9:30:21
